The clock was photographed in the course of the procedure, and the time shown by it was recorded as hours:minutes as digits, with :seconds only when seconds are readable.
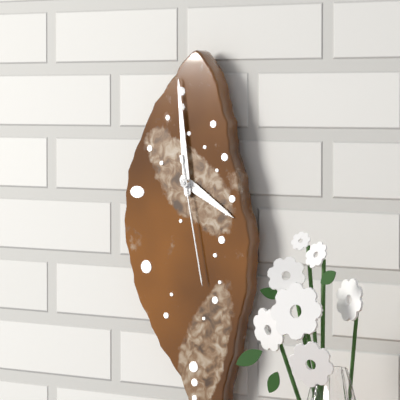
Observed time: 3:59:28
